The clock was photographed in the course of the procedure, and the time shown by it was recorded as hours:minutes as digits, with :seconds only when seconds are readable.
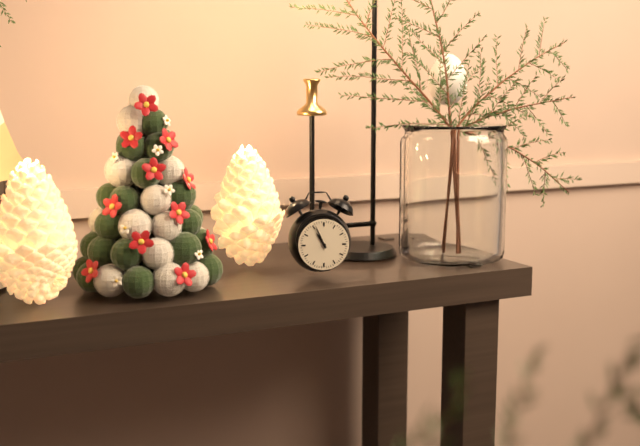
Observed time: 10:56
